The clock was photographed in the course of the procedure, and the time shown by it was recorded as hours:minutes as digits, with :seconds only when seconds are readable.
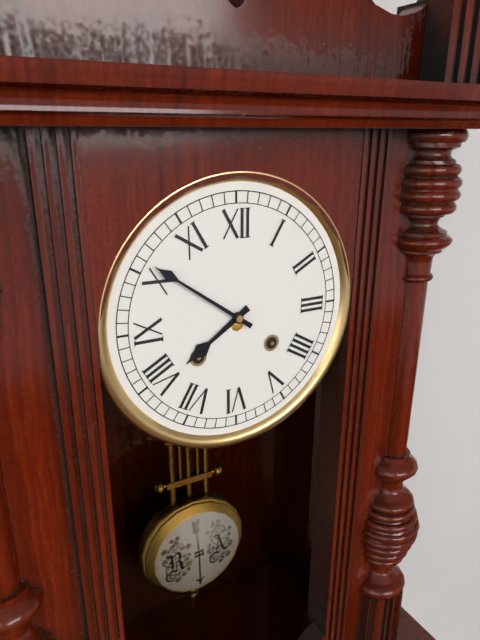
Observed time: 7:51
